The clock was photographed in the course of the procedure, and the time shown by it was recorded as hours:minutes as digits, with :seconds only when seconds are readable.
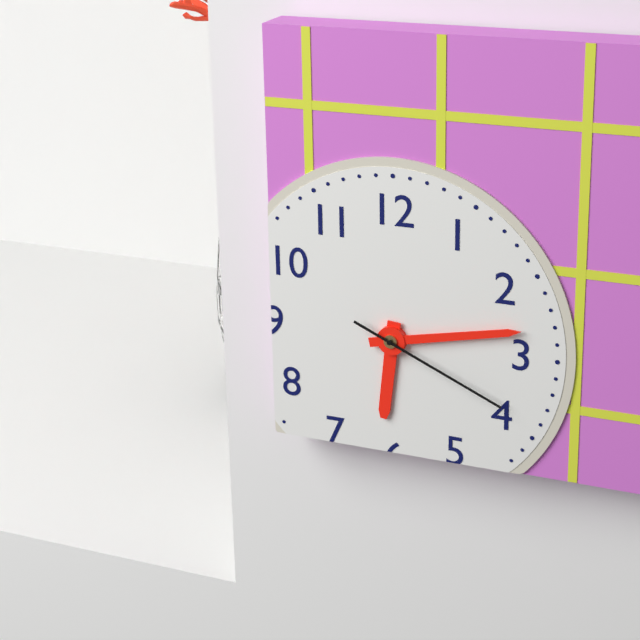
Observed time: 6:13:19
